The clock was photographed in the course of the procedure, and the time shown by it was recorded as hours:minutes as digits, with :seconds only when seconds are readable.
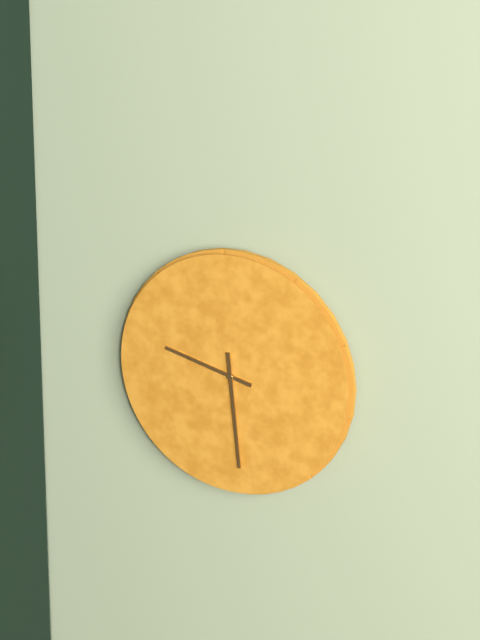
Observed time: 9:29
